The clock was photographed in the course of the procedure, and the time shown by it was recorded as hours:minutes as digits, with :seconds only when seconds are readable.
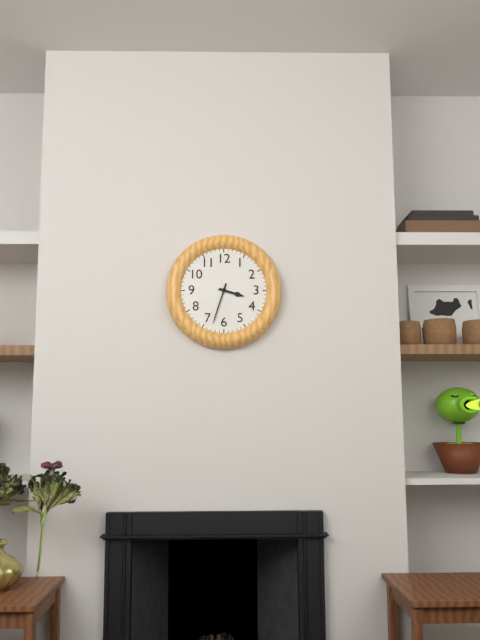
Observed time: 3:33
